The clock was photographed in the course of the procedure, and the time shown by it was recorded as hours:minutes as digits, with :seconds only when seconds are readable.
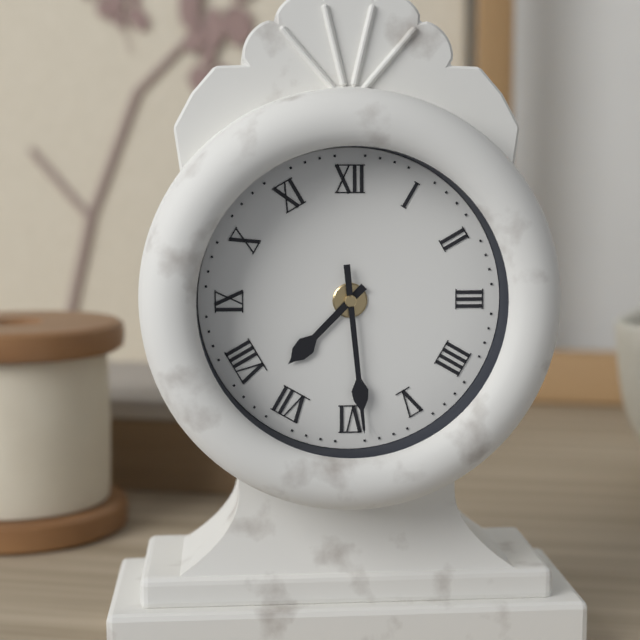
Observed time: 7:29
